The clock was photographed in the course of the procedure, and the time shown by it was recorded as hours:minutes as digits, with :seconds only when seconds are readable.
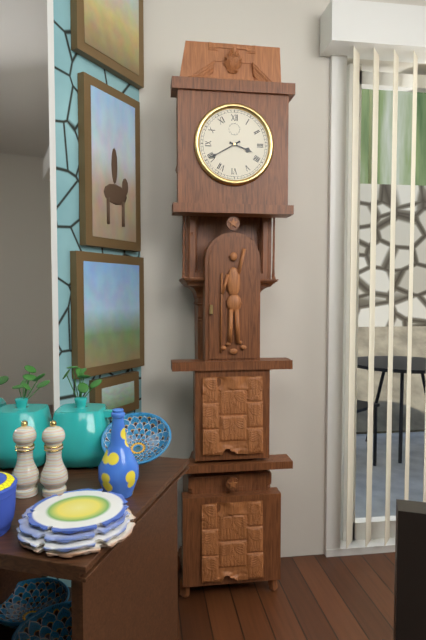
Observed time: 3:40
